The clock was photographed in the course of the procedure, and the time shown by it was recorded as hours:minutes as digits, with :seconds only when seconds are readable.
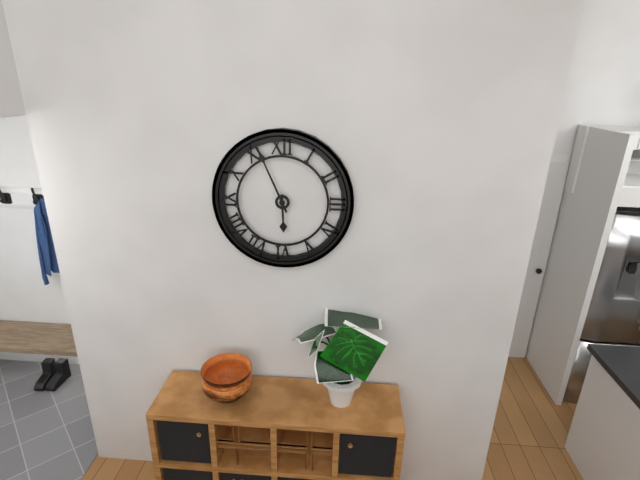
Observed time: 5:56
